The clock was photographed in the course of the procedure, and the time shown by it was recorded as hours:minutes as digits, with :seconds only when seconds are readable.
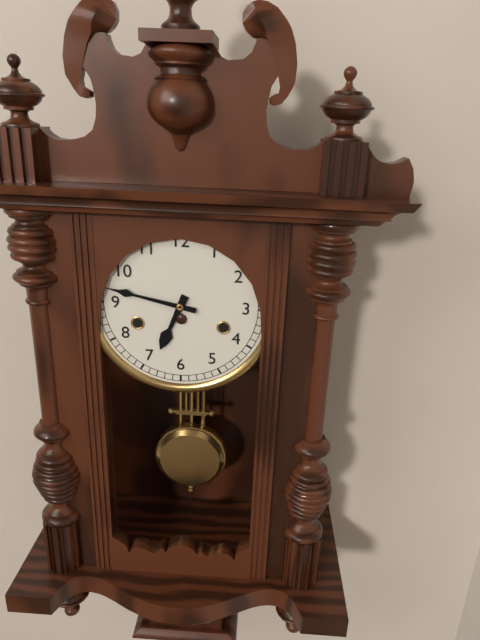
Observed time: 6:47
